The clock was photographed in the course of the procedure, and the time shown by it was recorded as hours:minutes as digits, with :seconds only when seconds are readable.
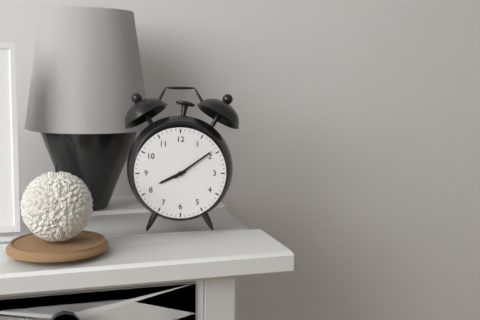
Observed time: 8:09
